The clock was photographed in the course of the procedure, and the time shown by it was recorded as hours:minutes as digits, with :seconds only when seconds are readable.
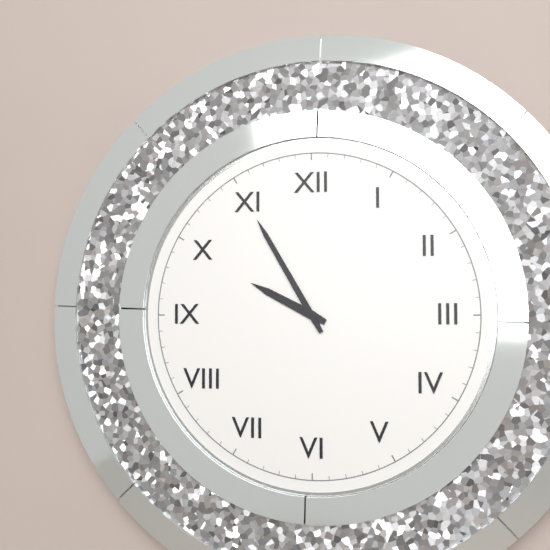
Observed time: 9:55
